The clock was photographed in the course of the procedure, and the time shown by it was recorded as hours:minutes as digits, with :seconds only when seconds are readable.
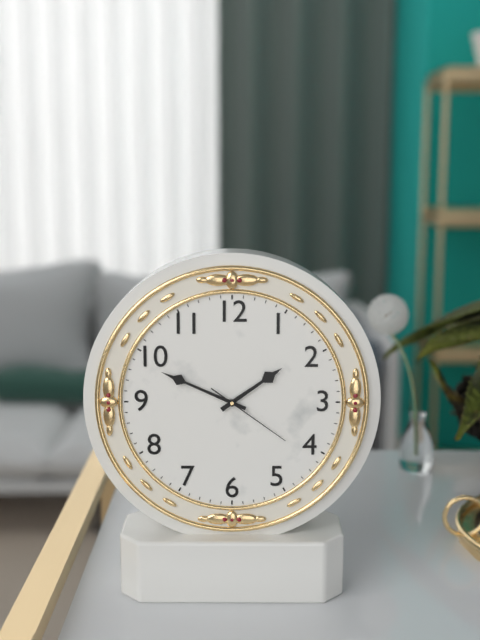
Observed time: 1:49:21
